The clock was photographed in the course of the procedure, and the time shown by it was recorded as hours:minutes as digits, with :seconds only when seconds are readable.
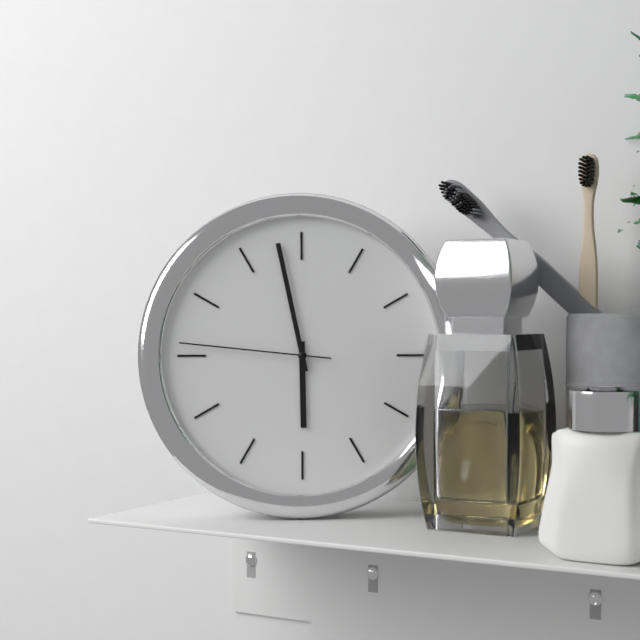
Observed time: 5:58:46
